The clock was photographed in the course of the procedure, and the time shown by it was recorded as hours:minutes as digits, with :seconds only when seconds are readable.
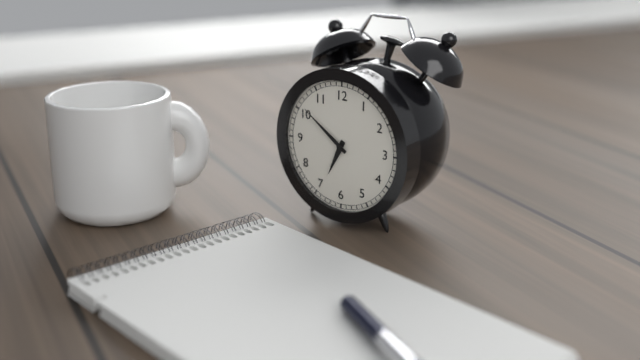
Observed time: 6:51
